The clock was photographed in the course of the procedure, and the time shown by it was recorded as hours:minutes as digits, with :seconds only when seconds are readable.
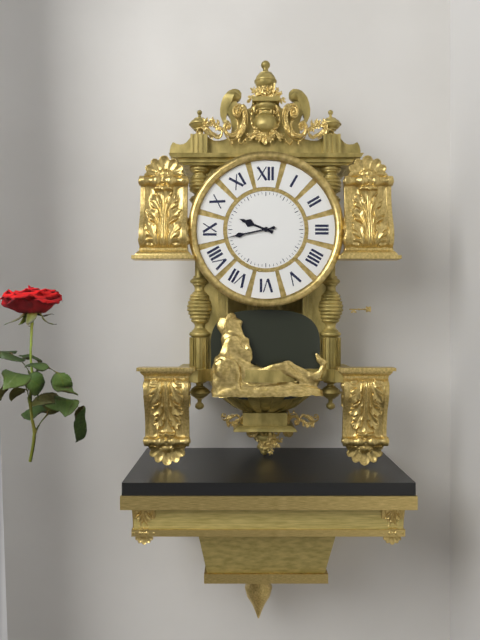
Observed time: 9:43
